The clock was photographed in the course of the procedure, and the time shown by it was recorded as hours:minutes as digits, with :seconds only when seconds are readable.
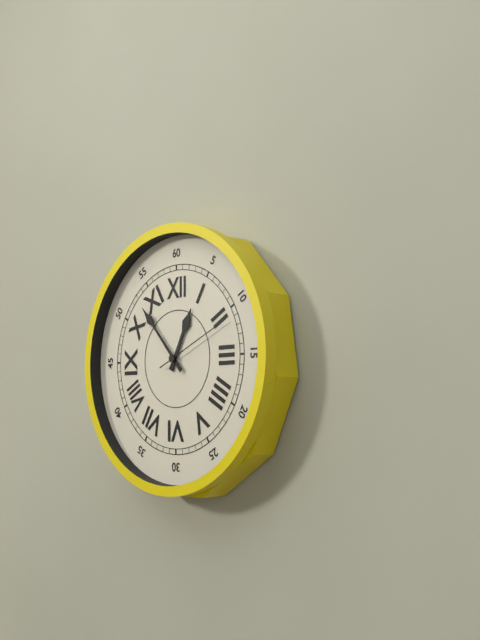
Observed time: 12:53:11
